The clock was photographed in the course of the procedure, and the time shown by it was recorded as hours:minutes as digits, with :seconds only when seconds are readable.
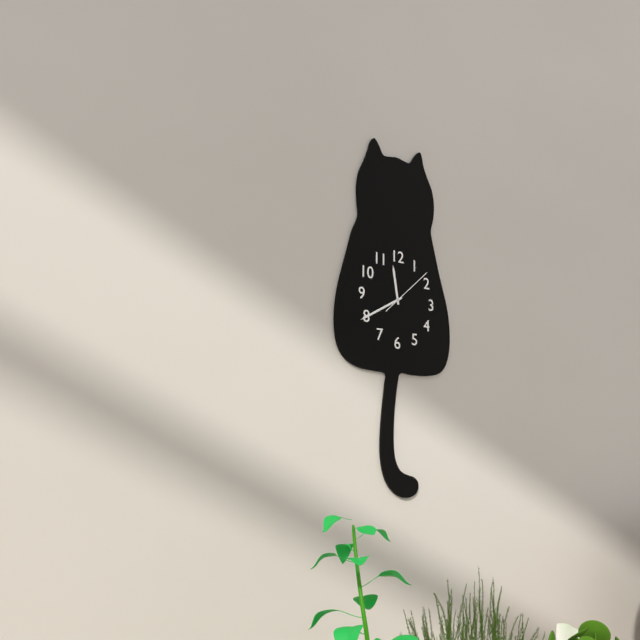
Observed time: 11:40:08
